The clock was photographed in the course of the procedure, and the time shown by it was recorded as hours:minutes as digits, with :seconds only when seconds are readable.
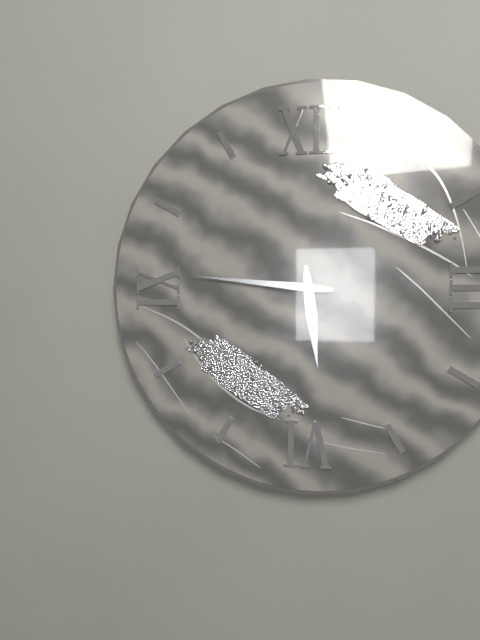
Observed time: 5:46
